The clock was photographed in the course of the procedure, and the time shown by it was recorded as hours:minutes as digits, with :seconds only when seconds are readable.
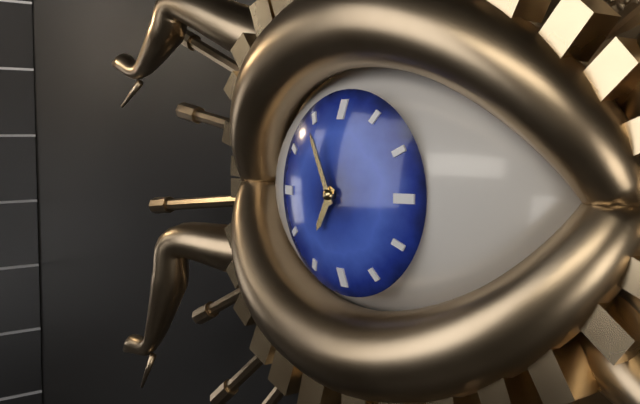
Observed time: 6:56
